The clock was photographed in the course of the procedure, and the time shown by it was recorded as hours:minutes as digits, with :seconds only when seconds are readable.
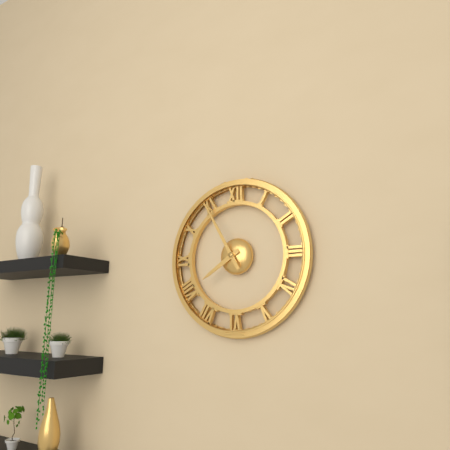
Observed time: 7:55
